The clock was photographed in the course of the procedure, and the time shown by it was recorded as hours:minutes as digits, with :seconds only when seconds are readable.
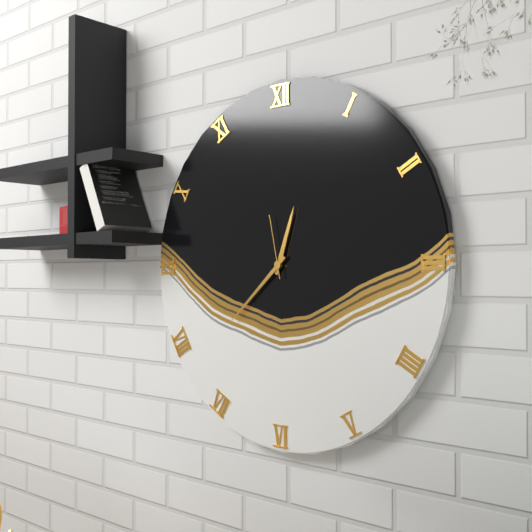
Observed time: 12:38:58
